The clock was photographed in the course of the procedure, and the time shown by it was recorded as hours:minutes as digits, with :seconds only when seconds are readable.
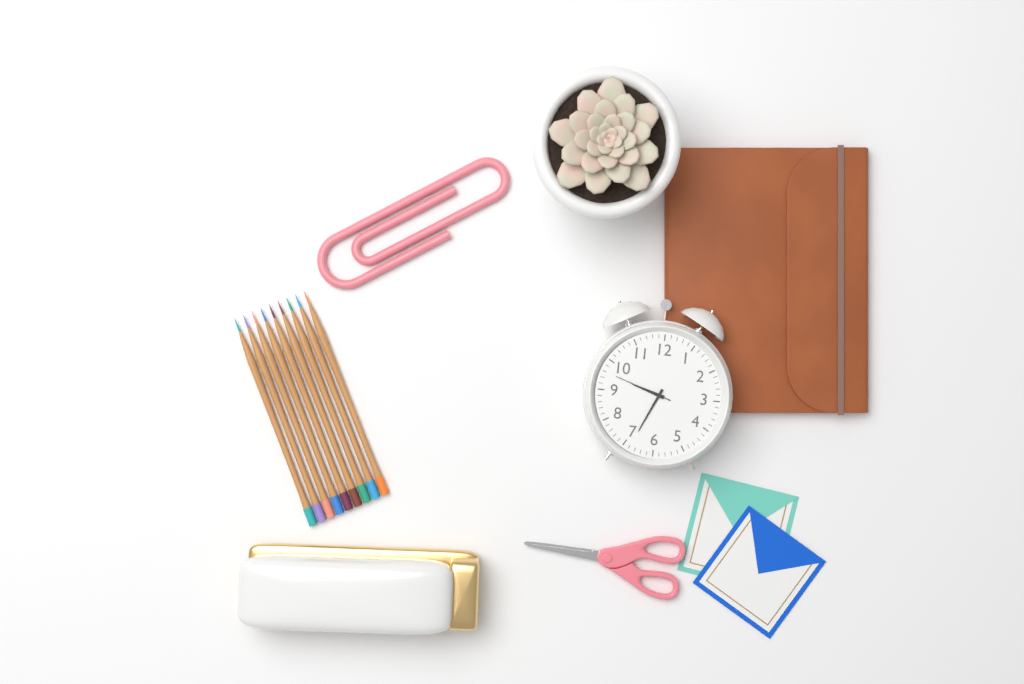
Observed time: 9:34:48
